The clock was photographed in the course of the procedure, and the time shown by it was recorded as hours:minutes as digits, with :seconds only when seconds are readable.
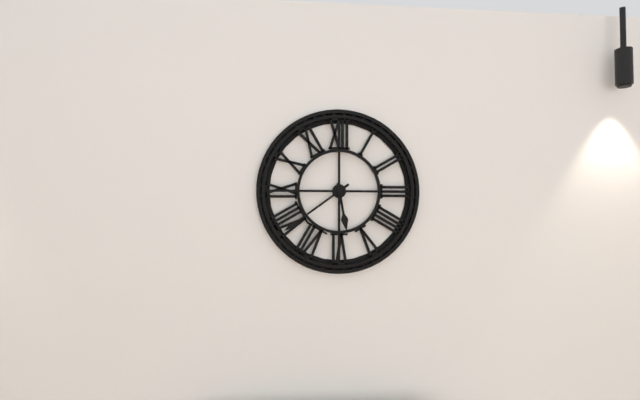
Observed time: 5:39
